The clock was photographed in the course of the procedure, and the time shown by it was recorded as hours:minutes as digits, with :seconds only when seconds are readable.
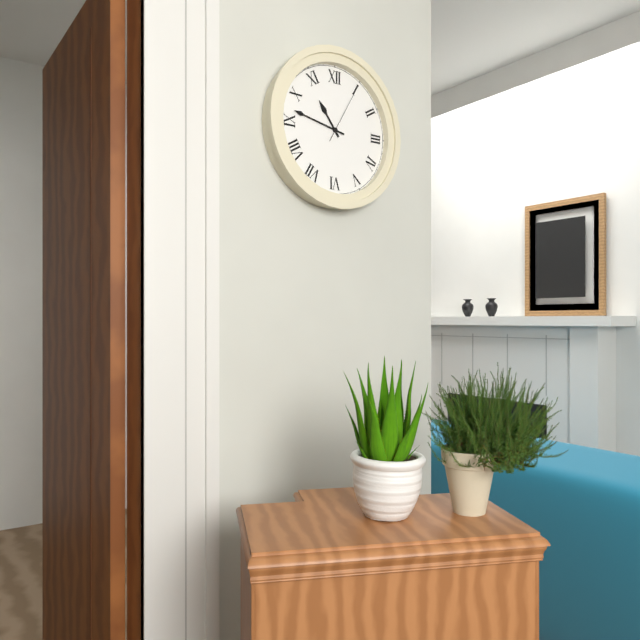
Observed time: 10:47:05
